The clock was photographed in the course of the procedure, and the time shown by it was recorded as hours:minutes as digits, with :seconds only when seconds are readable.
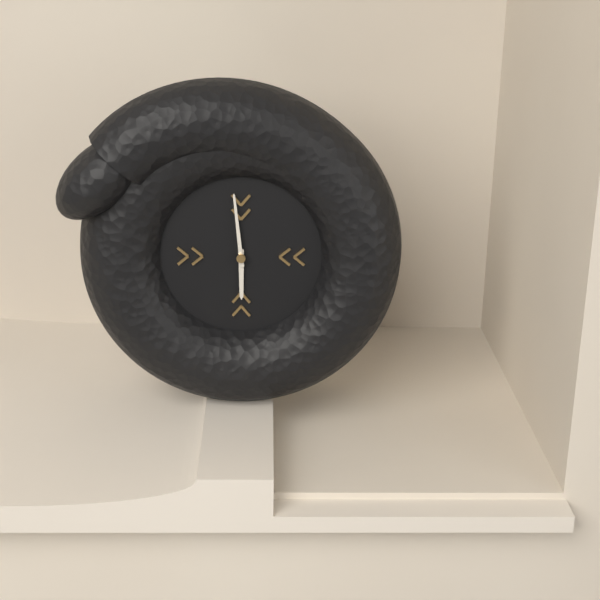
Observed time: 5:59
